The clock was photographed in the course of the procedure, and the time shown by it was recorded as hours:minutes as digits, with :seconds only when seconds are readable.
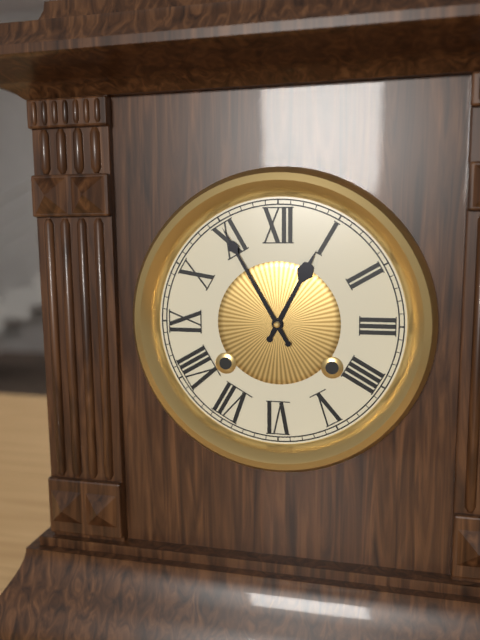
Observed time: 12:55
